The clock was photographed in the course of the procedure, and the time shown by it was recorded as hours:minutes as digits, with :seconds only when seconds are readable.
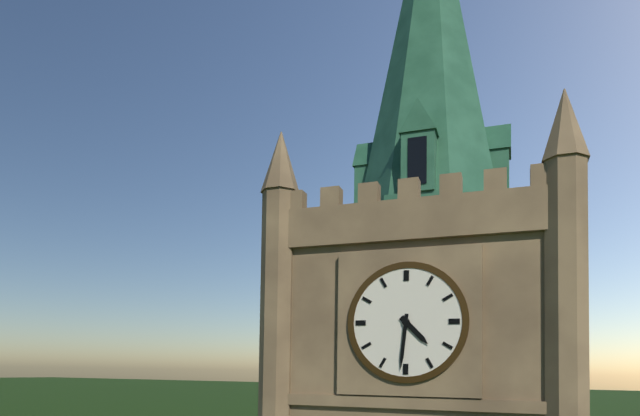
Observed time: 4:31
